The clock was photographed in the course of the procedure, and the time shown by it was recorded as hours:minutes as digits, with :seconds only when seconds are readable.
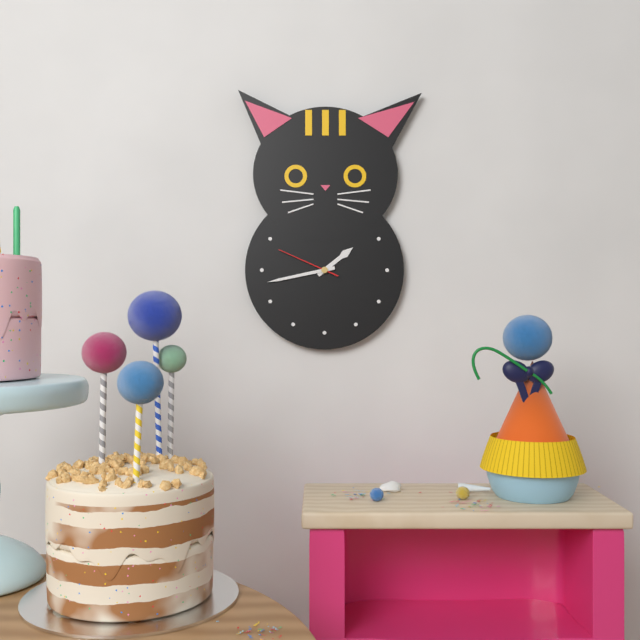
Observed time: 1:43:49
